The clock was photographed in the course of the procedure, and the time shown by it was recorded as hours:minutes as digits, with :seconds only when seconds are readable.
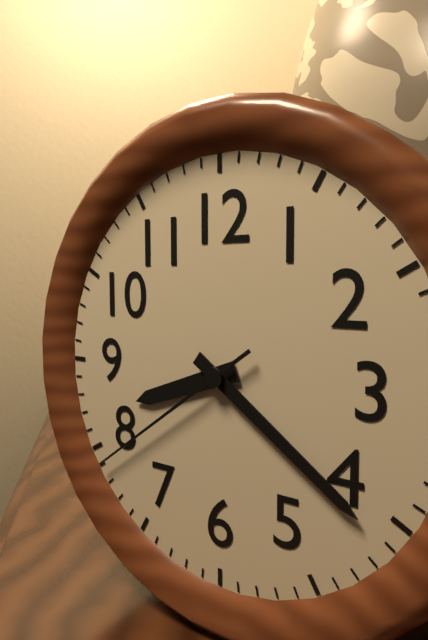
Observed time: 8:21:39
